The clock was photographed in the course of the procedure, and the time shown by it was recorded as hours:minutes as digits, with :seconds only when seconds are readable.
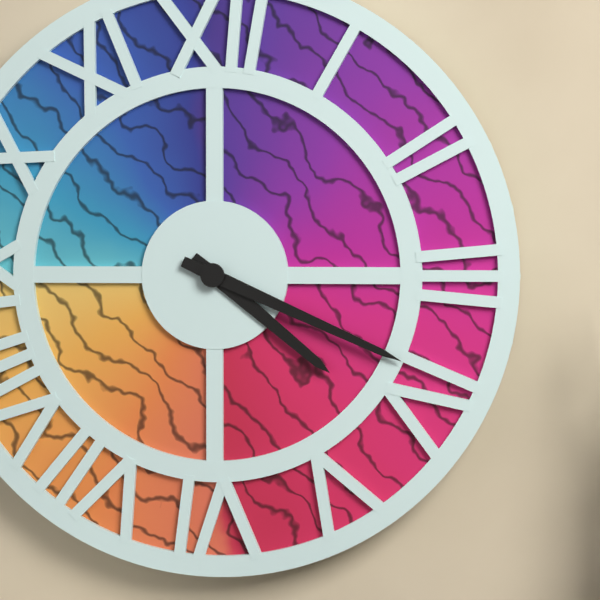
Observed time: 4:19
